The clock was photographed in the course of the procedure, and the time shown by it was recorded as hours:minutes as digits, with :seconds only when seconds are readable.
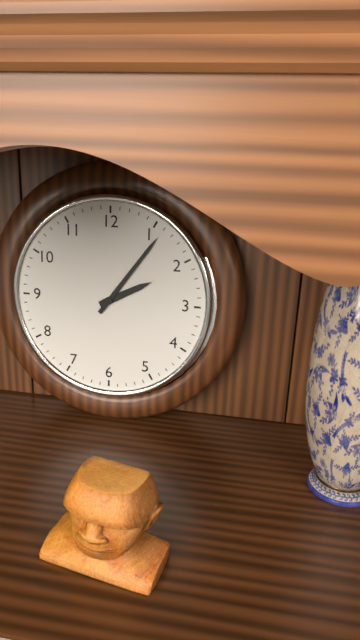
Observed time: 2:06
